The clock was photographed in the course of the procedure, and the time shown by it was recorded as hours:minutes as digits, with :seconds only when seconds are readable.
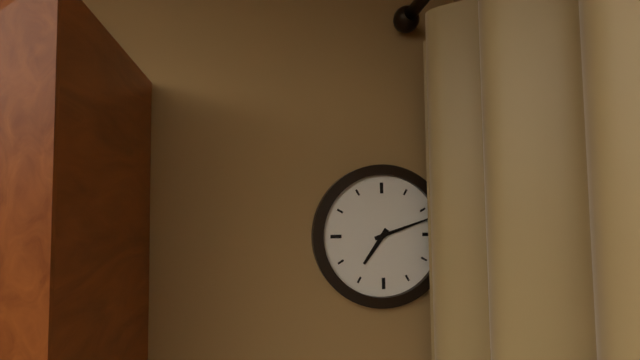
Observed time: 7:12
